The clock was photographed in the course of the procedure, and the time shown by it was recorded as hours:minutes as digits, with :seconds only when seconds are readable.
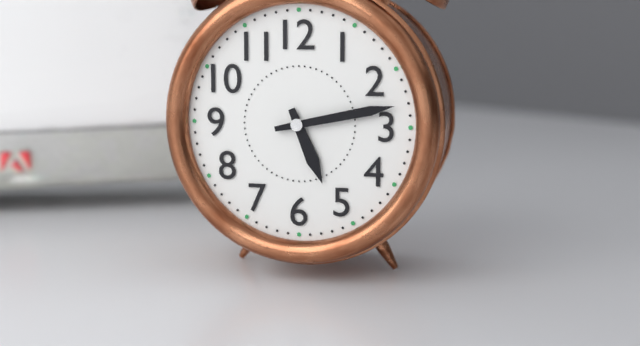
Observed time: 5:13
